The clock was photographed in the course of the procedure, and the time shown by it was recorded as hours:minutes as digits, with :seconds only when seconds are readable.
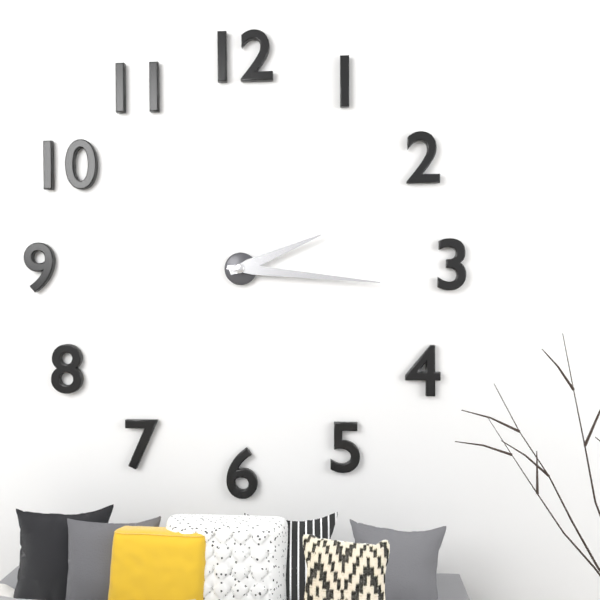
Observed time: 2:16
